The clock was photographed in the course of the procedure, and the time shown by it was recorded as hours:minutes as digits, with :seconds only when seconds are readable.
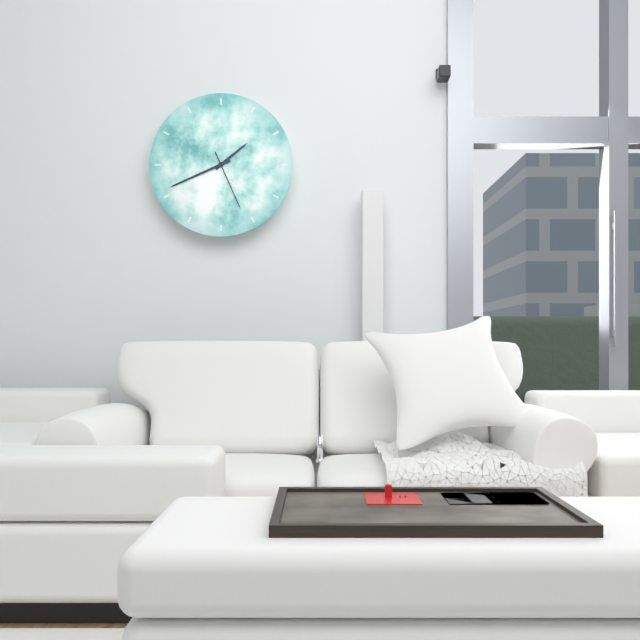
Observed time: 1:41:26
